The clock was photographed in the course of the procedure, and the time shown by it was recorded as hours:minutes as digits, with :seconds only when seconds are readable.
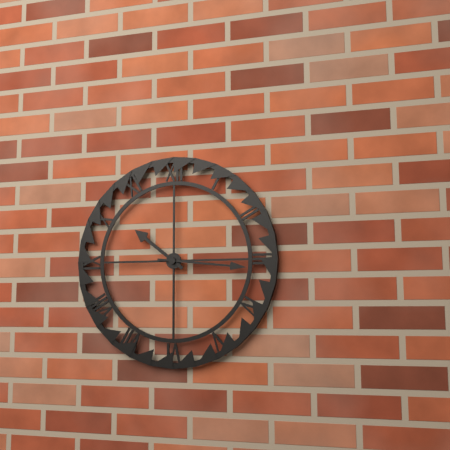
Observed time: 10:16
